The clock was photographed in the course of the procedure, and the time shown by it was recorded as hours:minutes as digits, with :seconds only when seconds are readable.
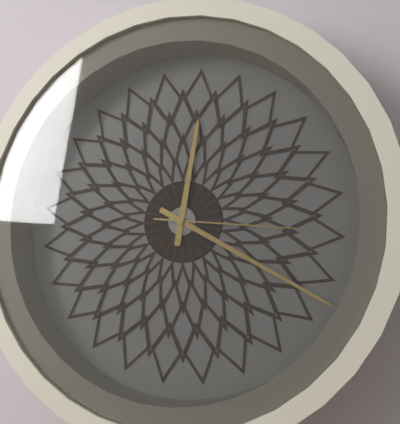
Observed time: 12:20:16
